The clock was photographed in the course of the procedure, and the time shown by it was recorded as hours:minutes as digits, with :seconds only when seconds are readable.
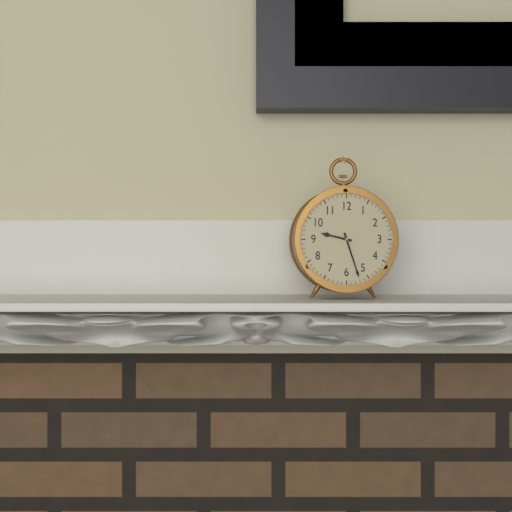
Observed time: 9:27
